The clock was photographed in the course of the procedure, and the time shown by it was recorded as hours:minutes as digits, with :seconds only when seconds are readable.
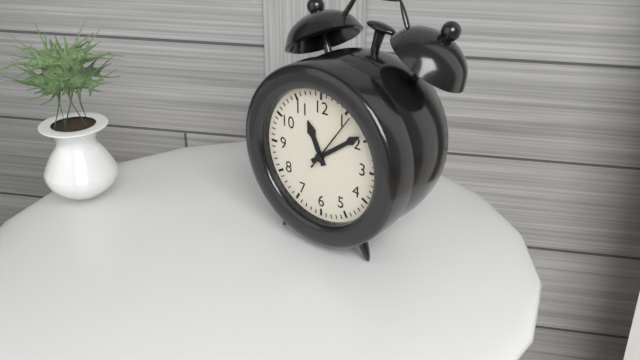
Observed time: 11:09:06
